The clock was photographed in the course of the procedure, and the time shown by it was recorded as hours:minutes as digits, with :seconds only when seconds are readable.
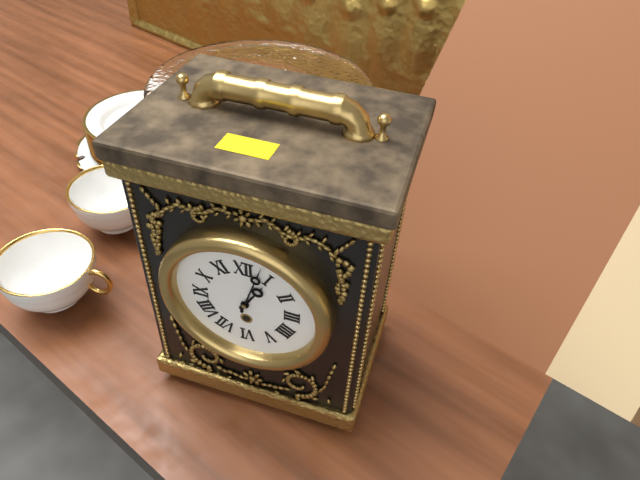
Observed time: 1:03
